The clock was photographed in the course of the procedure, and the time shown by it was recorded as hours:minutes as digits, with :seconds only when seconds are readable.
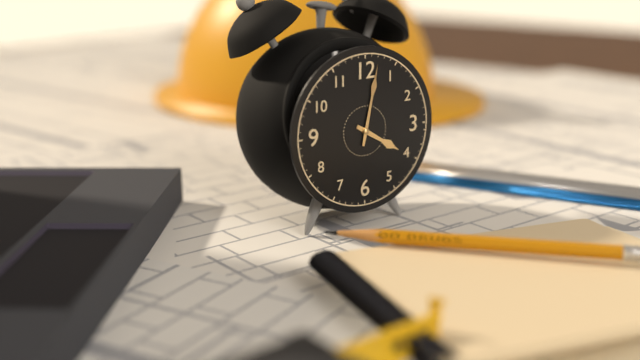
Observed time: 4:02
